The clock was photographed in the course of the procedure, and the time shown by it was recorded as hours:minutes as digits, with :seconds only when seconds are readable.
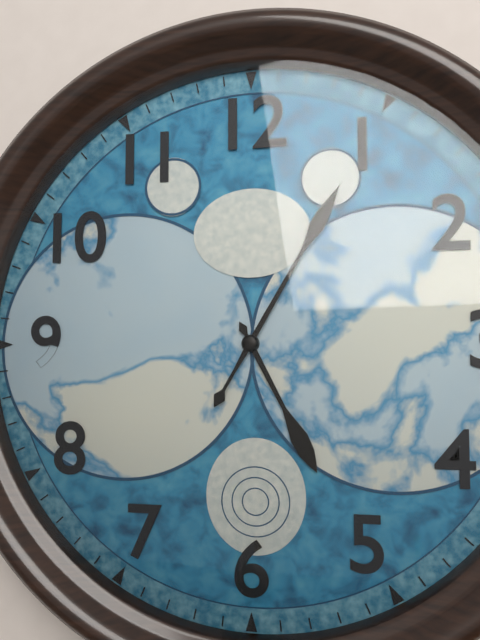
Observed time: 5:05
